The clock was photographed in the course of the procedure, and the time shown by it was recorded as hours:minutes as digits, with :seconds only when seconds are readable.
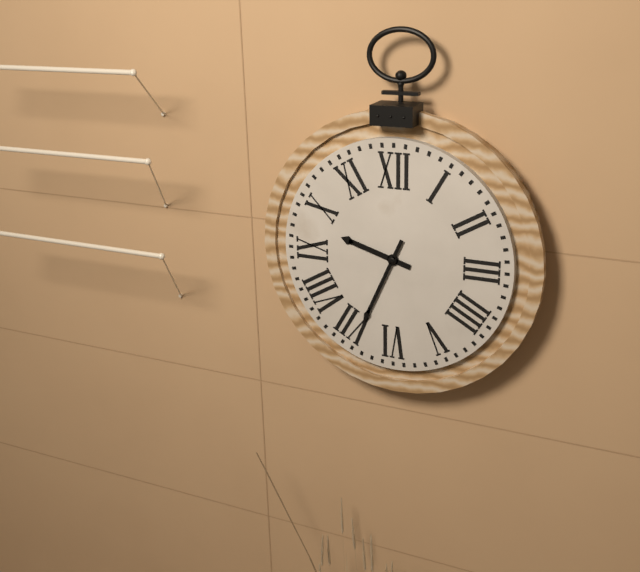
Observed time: 9:34
